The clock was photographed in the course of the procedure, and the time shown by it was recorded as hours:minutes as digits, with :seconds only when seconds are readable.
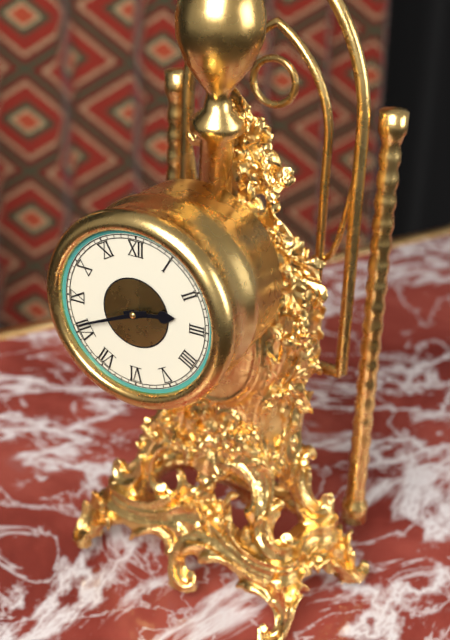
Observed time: 2:41
